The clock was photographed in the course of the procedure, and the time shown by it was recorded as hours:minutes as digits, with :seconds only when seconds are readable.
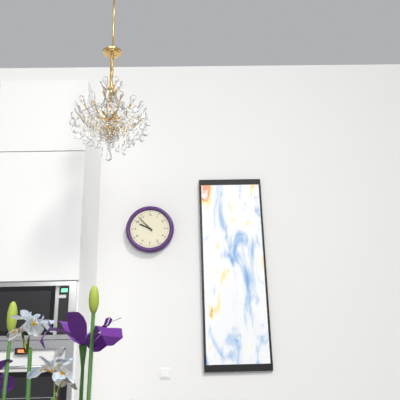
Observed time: 9:53
